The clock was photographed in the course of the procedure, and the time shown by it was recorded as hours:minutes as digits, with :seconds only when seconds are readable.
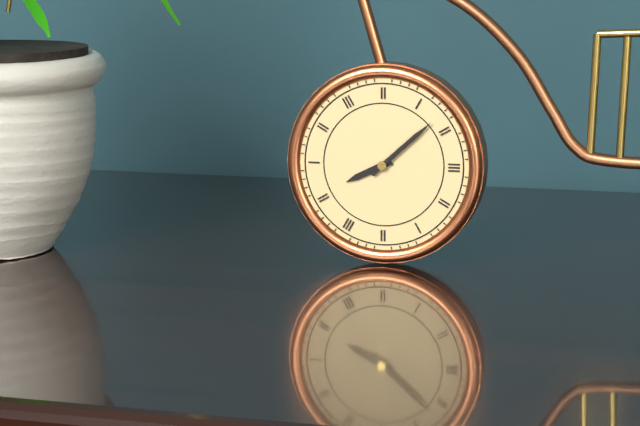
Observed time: 8:08
